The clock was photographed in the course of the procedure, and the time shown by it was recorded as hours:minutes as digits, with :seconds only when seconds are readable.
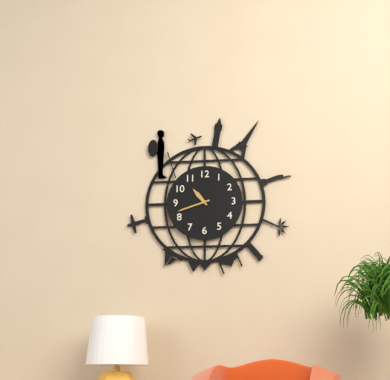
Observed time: 10:42
